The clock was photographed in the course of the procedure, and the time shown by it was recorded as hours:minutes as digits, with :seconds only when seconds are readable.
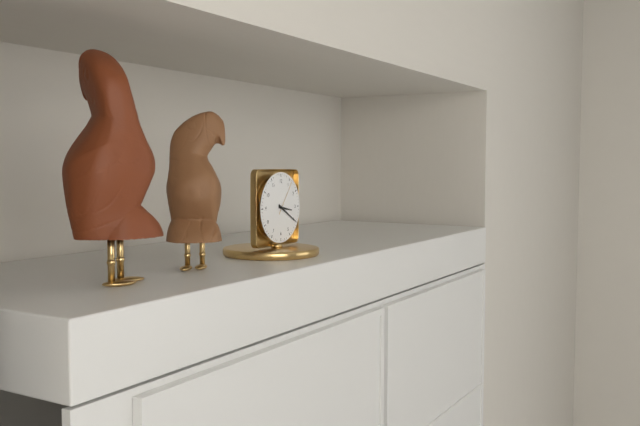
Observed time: 3:20
